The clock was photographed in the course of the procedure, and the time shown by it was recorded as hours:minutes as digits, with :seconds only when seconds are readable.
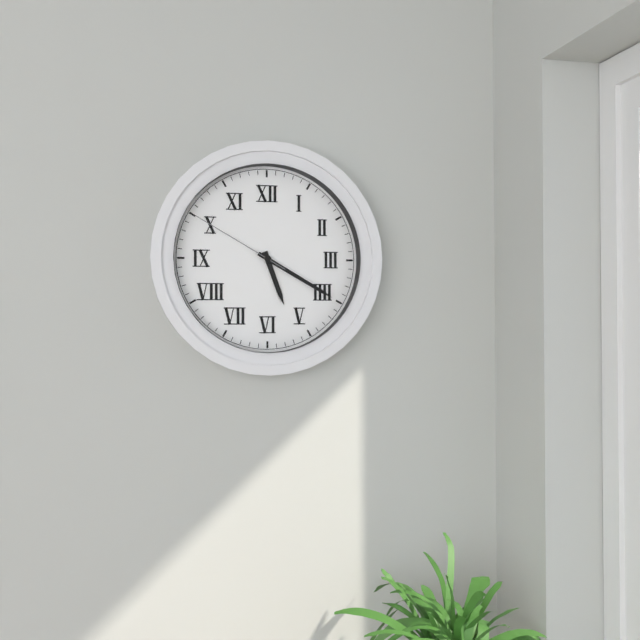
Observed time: 5:20:50
